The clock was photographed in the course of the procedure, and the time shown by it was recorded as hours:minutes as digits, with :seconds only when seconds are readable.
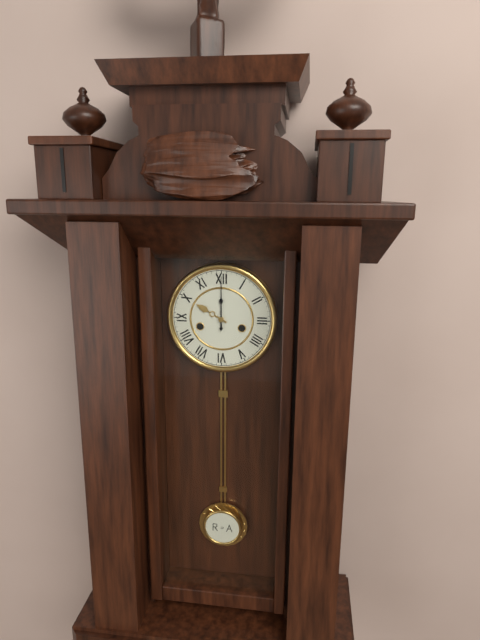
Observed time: 10:00
